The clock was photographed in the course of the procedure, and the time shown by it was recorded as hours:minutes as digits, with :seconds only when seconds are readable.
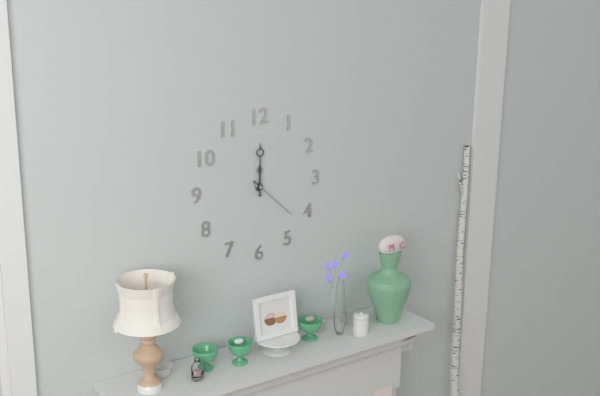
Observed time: 12:00:22
